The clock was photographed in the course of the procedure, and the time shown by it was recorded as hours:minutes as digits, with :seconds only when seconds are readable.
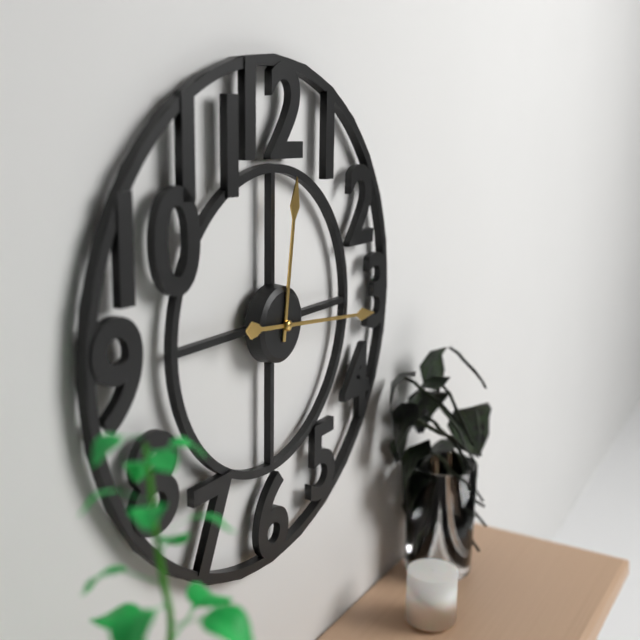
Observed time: 12:16
